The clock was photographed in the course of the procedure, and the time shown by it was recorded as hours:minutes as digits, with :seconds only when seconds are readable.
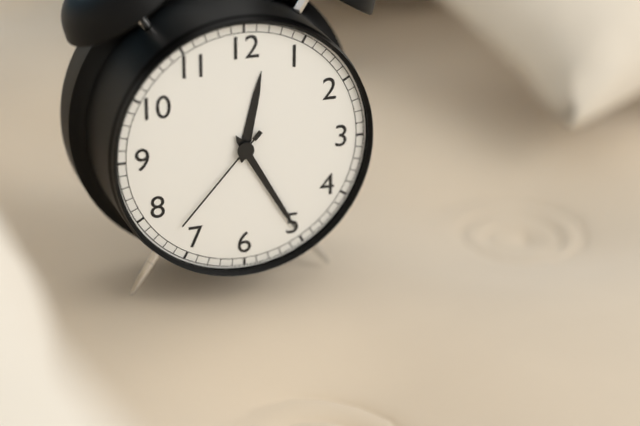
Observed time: 12:25:37
